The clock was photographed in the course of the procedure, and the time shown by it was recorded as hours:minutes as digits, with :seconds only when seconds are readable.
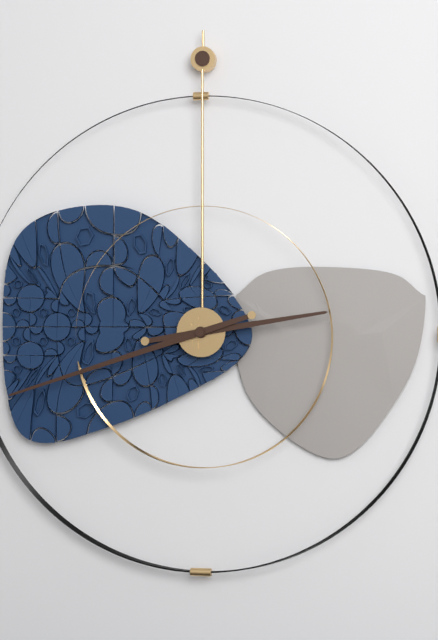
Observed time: 2:42
